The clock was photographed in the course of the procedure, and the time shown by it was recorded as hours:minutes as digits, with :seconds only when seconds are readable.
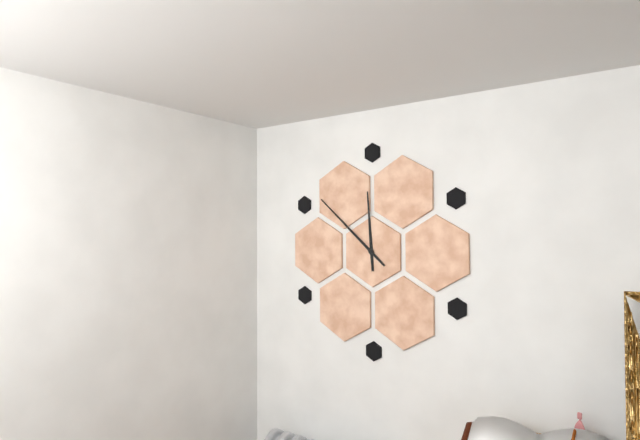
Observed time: 11:52
